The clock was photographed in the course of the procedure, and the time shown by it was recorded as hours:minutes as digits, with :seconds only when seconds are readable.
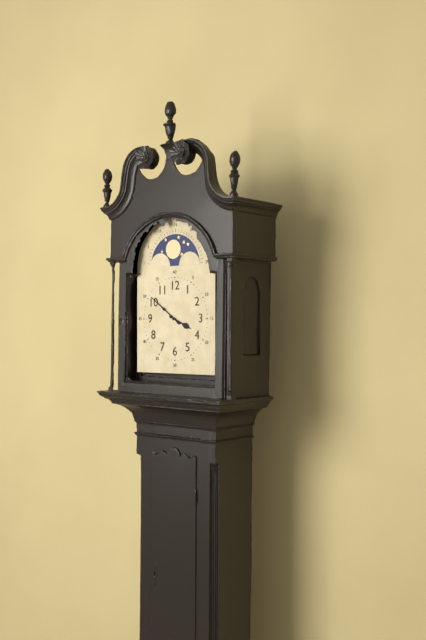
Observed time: 3:51
